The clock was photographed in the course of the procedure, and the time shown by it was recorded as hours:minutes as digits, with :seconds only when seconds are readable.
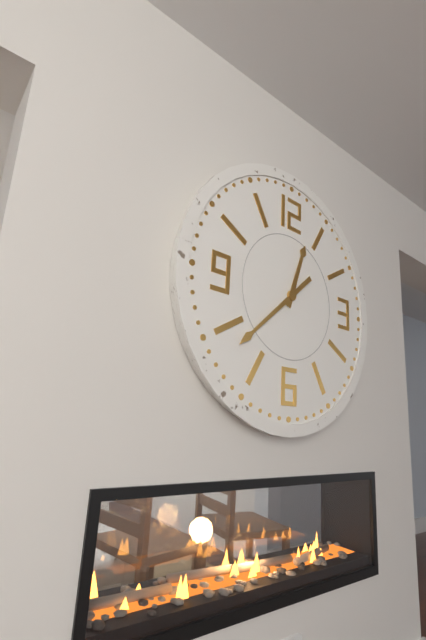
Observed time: 12:38
